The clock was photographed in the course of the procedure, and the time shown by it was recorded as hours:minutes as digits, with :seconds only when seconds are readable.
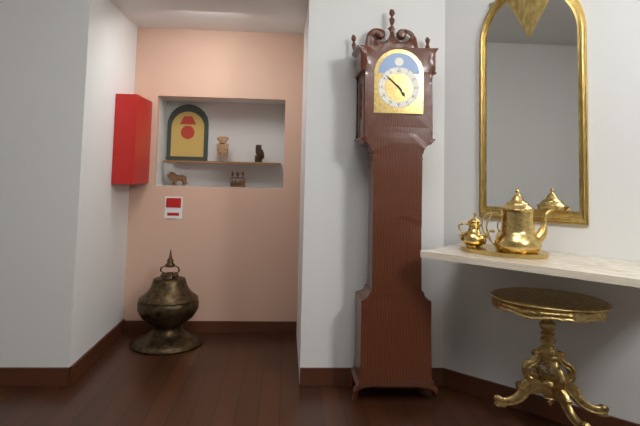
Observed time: 4:52
